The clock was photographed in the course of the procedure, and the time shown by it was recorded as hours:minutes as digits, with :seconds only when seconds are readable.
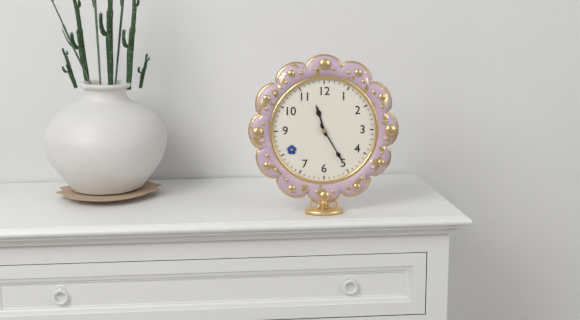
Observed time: 11:25
